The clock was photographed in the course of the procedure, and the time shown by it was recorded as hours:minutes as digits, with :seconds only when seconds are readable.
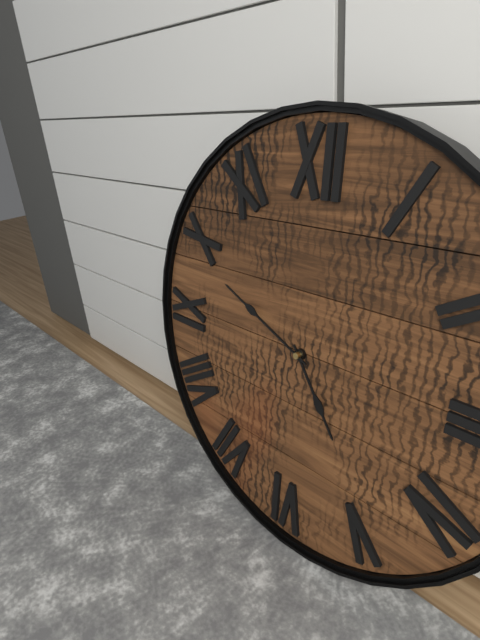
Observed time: 4:49
